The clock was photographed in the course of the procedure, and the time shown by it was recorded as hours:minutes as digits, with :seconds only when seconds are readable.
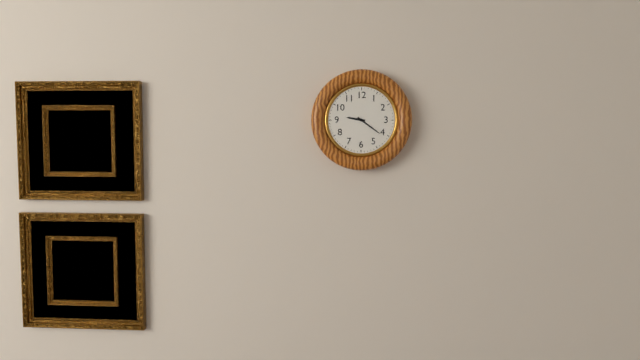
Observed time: 9:21
